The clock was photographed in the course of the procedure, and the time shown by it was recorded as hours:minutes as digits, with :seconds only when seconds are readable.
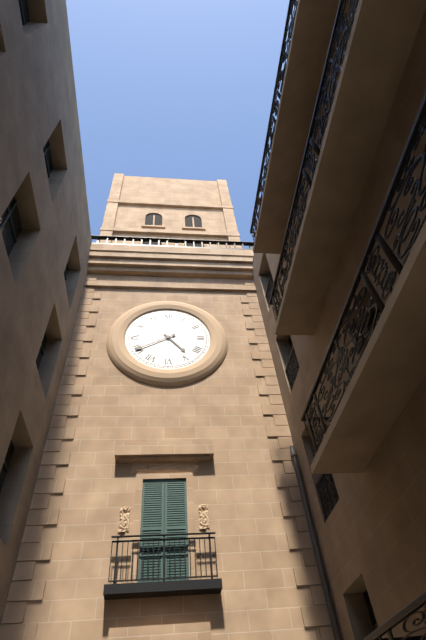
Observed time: 4:40
